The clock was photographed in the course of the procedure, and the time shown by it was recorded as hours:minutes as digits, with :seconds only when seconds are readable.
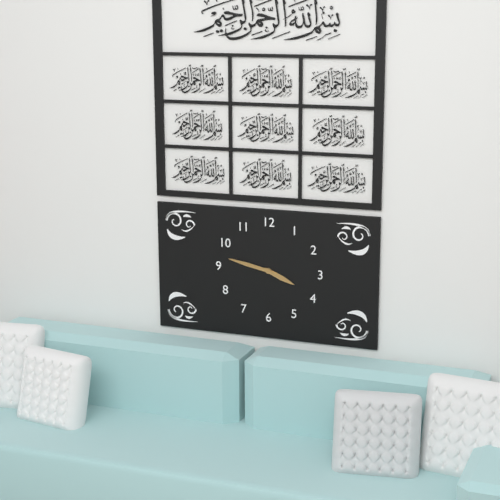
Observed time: 3:47
